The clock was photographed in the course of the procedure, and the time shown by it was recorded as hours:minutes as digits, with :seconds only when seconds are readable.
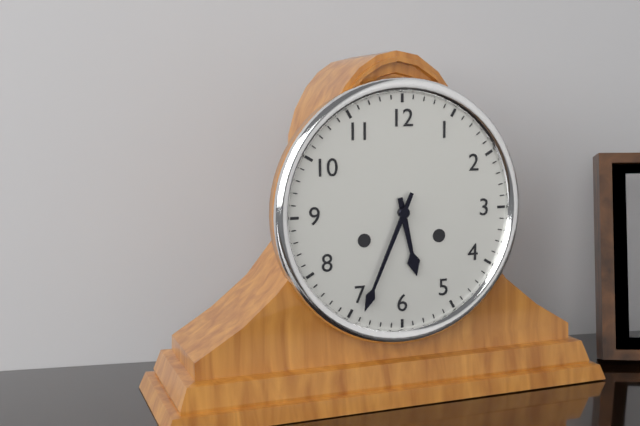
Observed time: 5:34
